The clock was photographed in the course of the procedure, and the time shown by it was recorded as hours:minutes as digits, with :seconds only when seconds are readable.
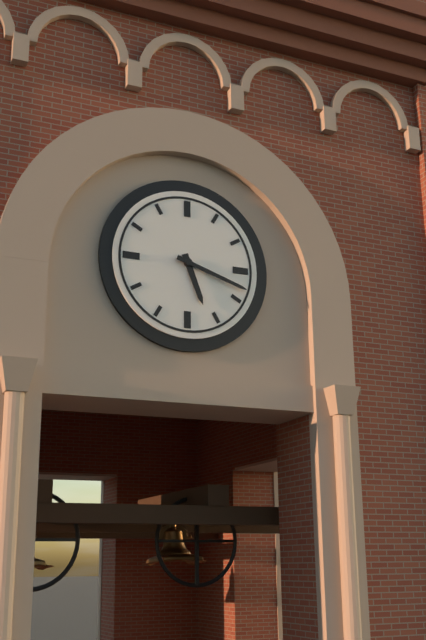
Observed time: 5:18
